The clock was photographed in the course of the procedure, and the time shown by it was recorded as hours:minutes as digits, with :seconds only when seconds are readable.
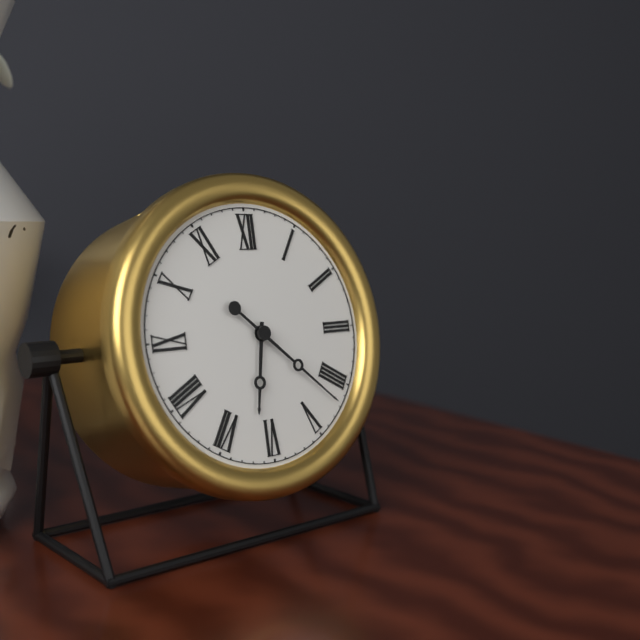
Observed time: 6:22
